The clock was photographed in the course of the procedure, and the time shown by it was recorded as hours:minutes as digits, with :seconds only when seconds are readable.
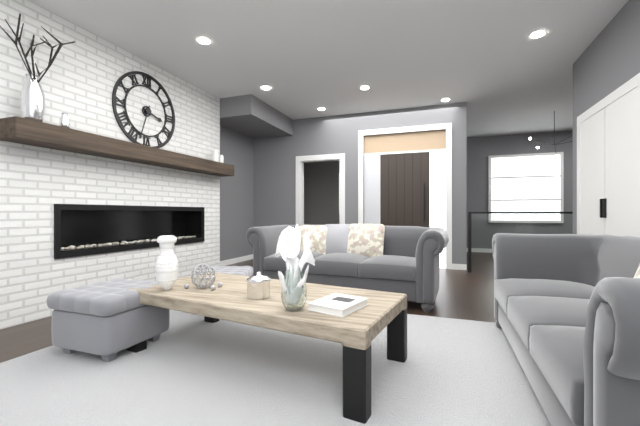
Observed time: 3:33
